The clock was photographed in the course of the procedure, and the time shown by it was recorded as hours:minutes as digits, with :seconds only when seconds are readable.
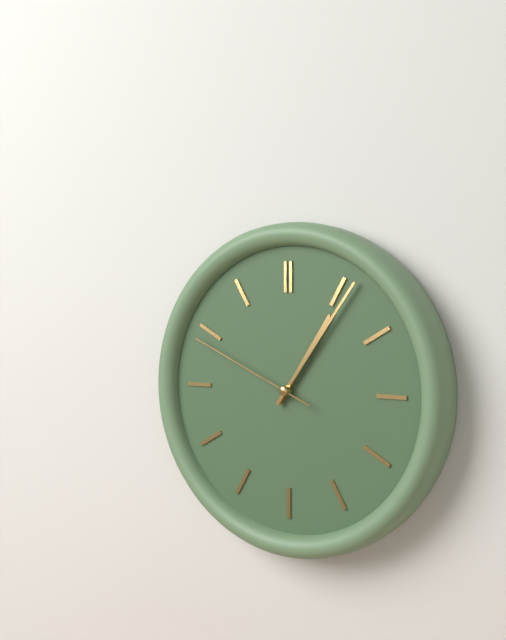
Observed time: 1:06:49
